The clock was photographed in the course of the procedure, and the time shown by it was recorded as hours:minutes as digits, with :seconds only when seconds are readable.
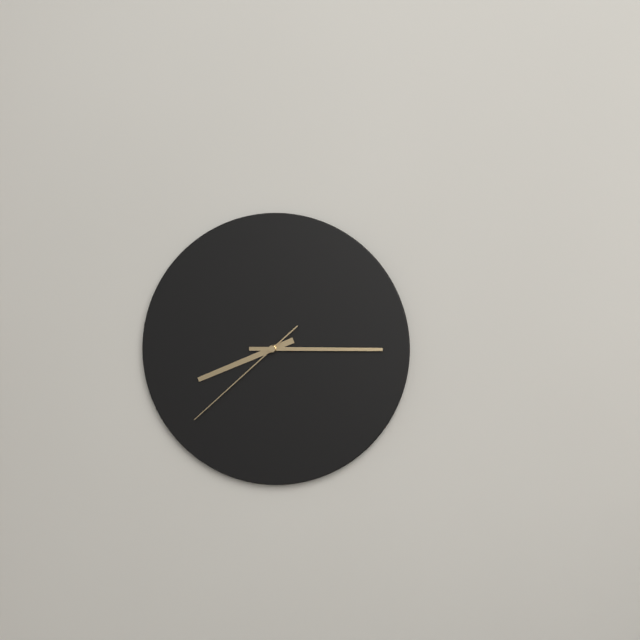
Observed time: 8:15:38
